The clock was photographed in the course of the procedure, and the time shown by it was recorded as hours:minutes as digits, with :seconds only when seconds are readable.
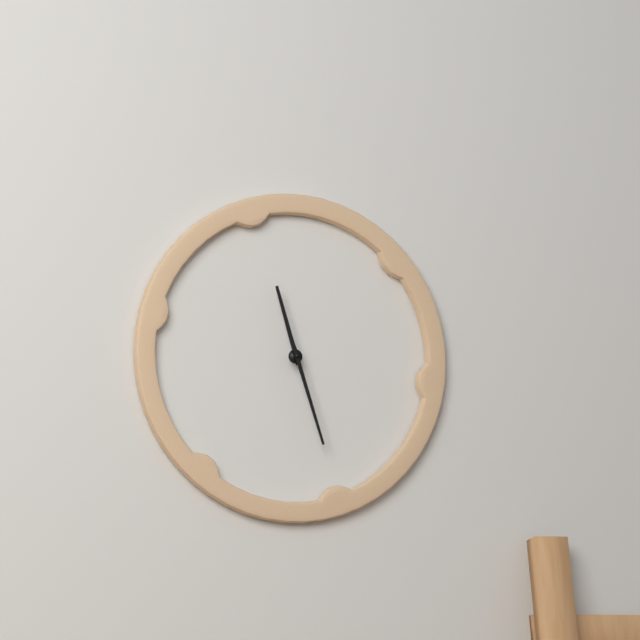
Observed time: 11:27
